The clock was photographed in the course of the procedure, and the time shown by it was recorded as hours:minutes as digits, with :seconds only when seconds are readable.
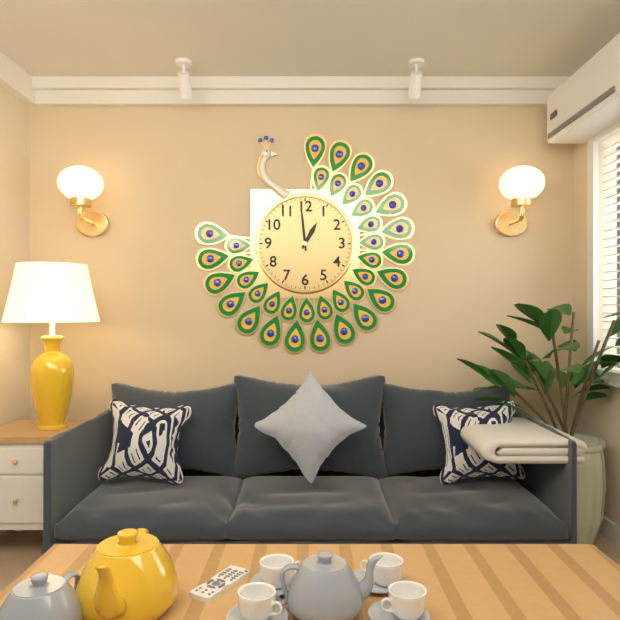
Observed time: 12:59
